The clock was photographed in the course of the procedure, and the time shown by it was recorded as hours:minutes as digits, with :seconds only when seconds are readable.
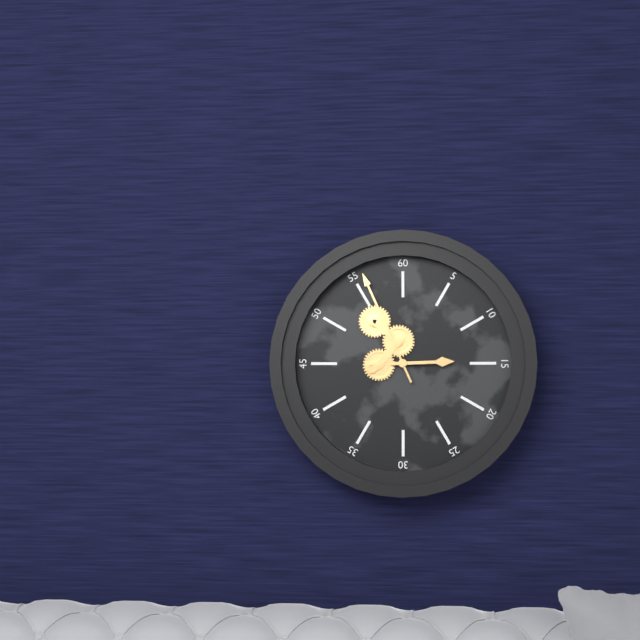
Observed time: 2:56
